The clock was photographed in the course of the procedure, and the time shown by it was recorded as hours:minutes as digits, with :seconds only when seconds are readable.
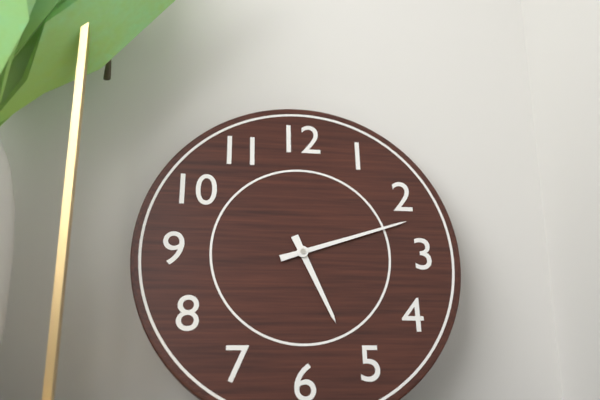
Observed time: 5:12
